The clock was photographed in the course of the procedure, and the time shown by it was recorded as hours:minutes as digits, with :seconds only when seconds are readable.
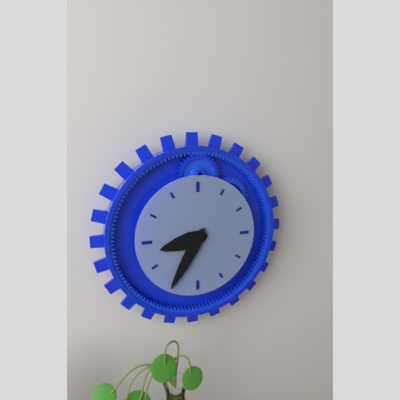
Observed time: 8:35
